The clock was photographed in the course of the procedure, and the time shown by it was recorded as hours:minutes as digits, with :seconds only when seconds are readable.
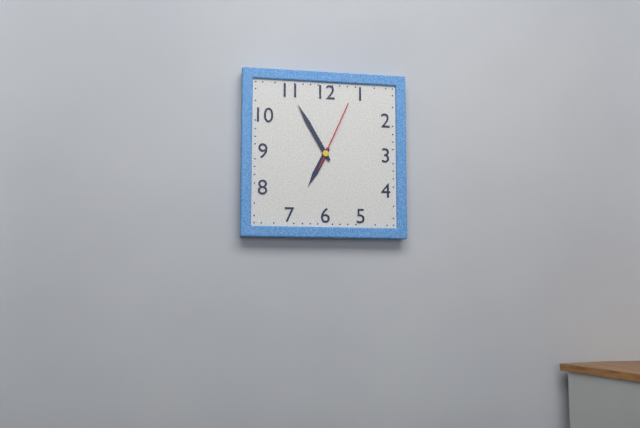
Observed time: 6:55:04
